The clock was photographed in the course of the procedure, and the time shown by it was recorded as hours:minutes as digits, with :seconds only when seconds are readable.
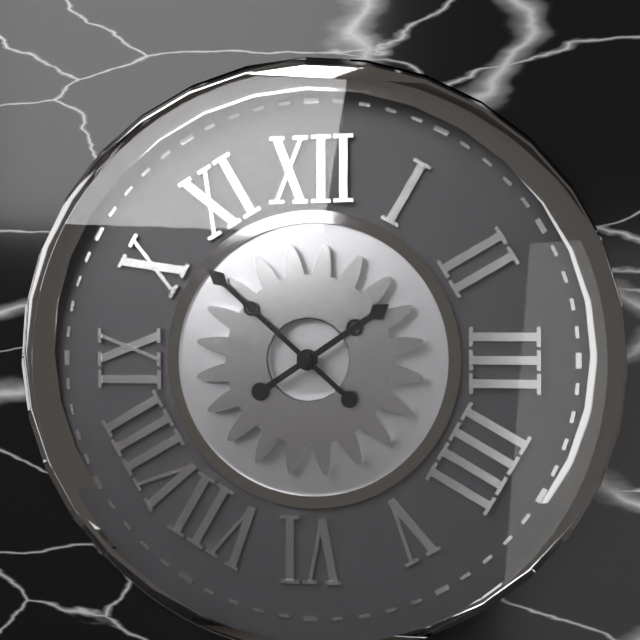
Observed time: 1:52
